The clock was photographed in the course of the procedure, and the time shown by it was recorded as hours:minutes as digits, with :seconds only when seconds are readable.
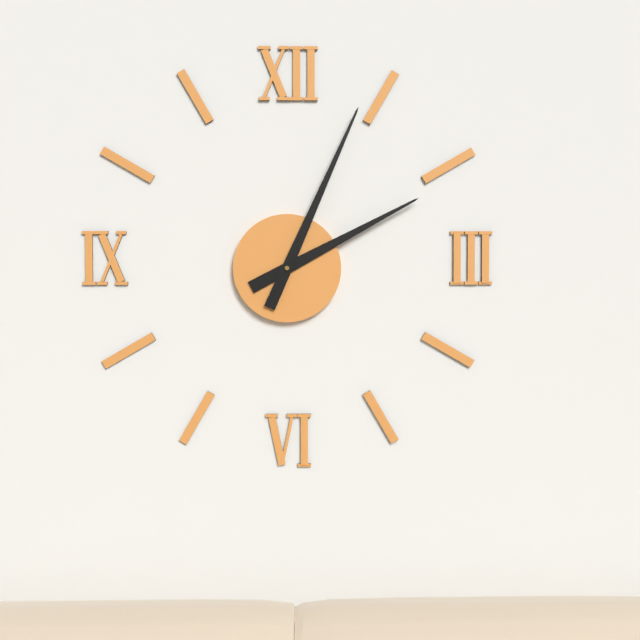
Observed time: 2:04
